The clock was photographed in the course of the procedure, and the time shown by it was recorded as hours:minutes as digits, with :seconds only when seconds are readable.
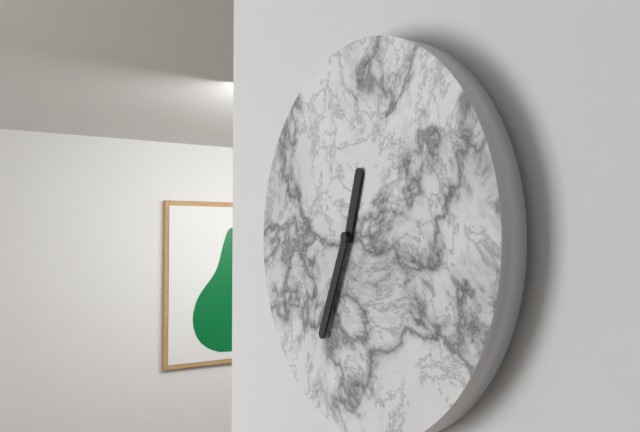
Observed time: 12:34
